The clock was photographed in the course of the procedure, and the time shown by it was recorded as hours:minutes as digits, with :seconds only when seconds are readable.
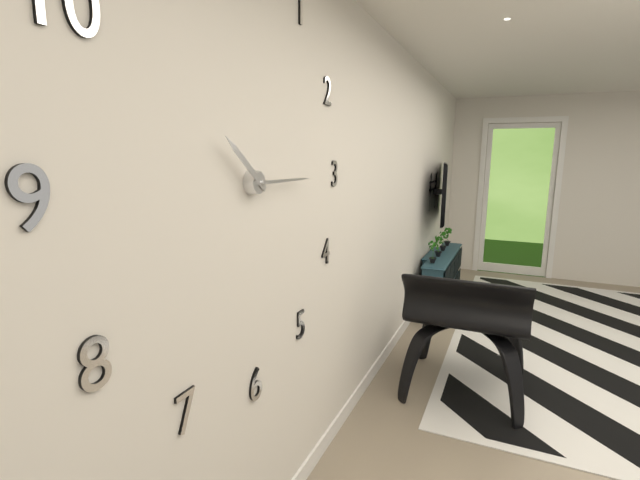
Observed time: 10:15
